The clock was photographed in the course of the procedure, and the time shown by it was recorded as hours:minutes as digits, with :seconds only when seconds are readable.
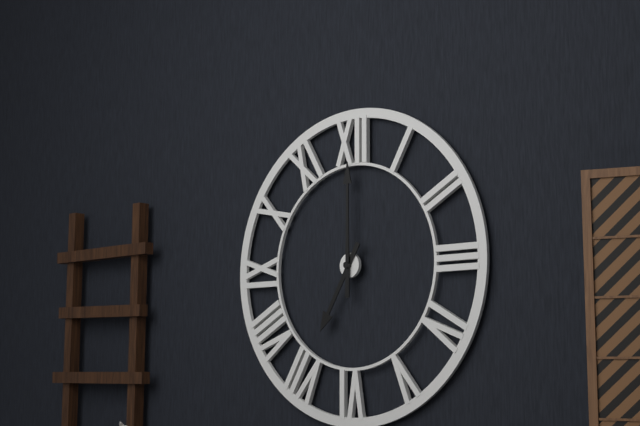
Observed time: 7:00
